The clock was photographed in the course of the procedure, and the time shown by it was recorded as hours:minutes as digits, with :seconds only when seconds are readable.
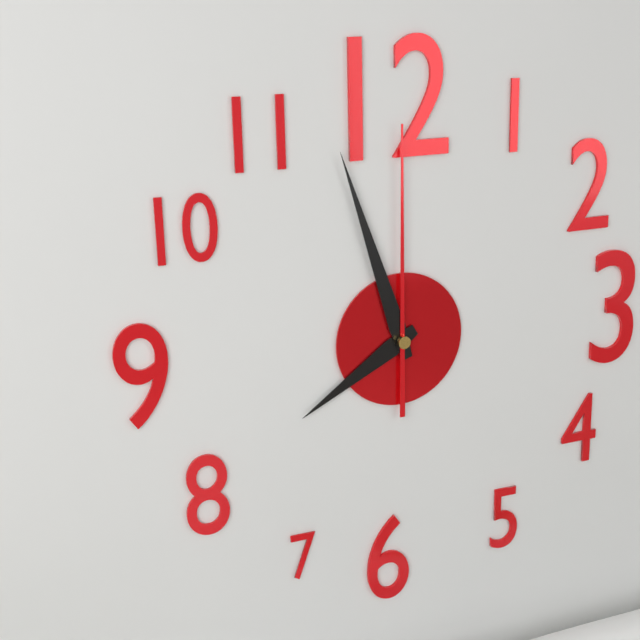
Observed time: 7:57:00
